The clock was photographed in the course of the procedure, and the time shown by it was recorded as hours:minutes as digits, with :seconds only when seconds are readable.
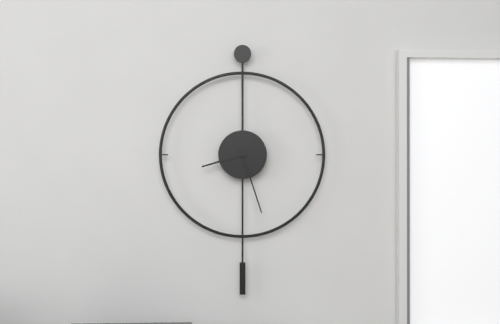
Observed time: 8:27
